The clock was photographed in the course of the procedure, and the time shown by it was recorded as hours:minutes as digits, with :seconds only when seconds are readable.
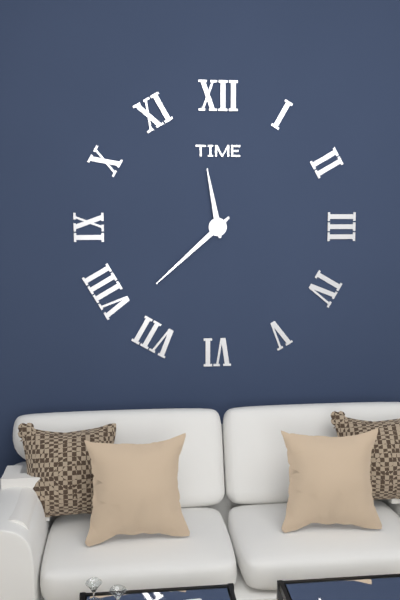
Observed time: 11:38
